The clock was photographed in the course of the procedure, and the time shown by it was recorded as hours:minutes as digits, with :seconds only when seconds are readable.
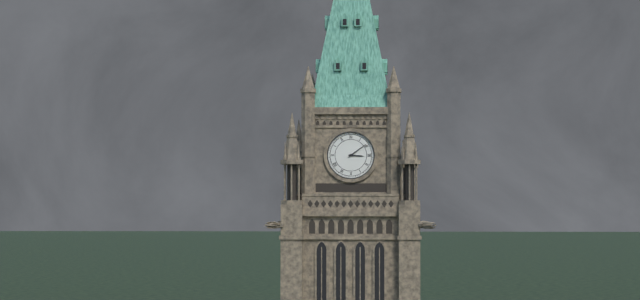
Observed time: 3:09
